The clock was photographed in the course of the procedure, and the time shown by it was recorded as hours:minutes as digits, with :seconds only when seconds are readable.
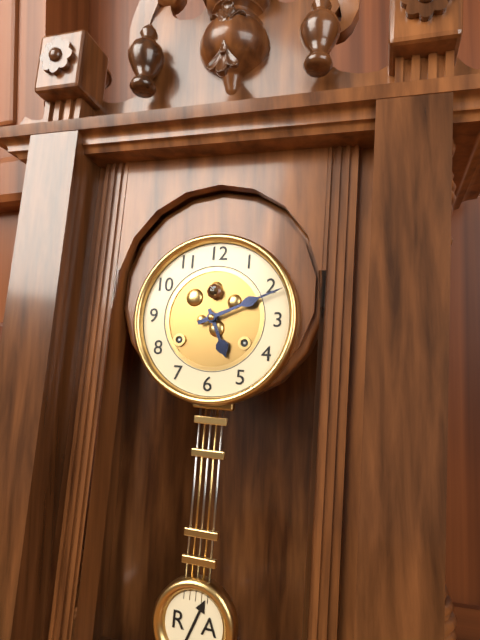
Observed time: 5:11
